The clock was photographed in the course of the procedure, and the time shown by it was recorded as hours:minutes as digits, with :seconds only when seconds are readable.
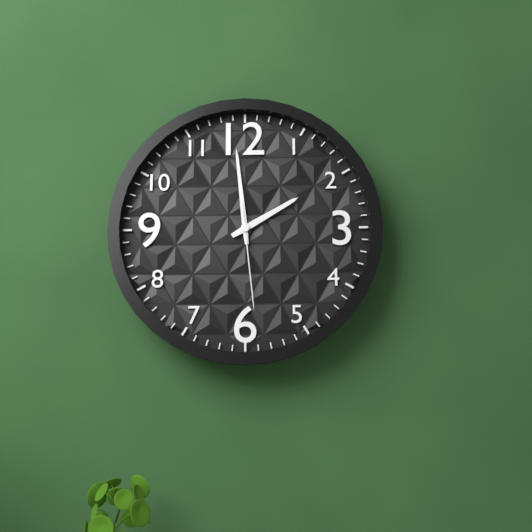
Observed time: 1:59:29
